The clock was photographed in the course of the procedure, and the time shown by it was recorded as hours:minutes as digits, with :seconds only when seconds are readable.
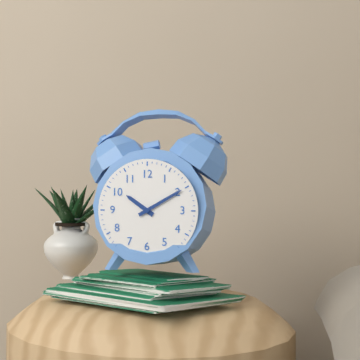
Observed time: 10:10
